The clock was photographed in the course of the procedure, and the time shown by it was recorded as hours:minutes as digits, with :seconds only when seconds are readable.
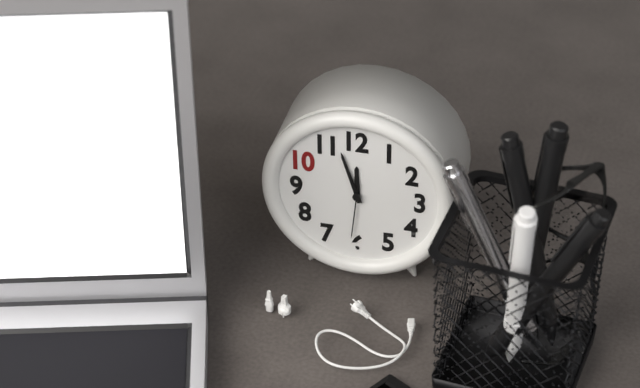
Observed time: 11:57:31
